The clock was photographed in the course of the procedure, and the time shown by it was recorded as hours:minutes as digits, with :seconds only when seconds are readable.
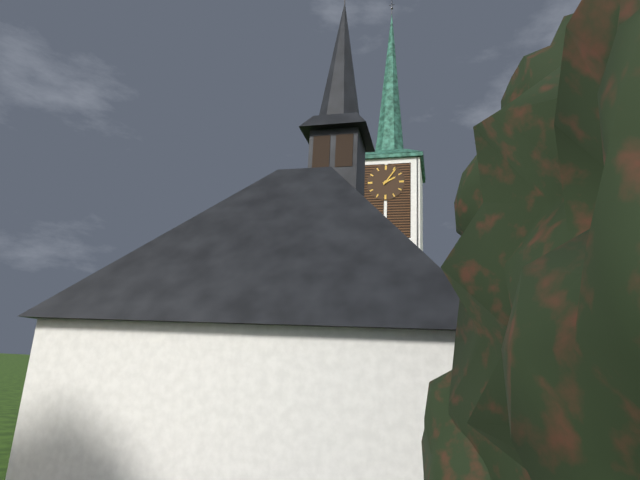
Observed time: 2:06
